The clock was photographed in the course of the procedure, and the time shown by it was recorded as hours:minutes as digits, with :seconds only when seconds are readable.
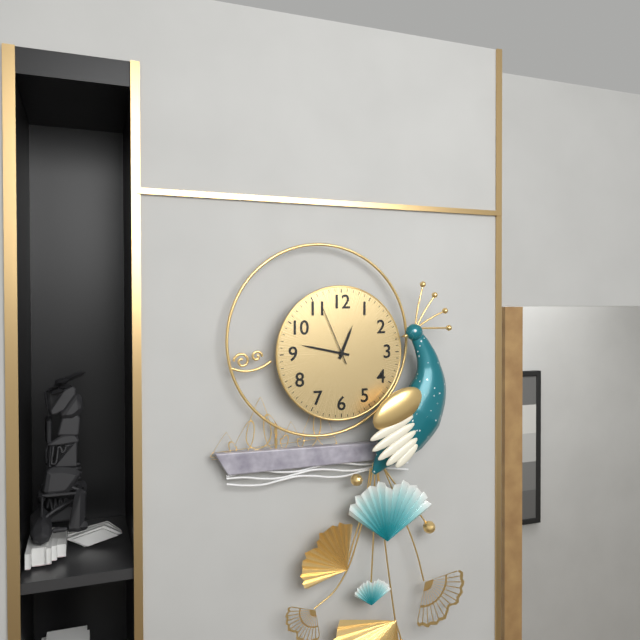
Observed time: 12:47:56
